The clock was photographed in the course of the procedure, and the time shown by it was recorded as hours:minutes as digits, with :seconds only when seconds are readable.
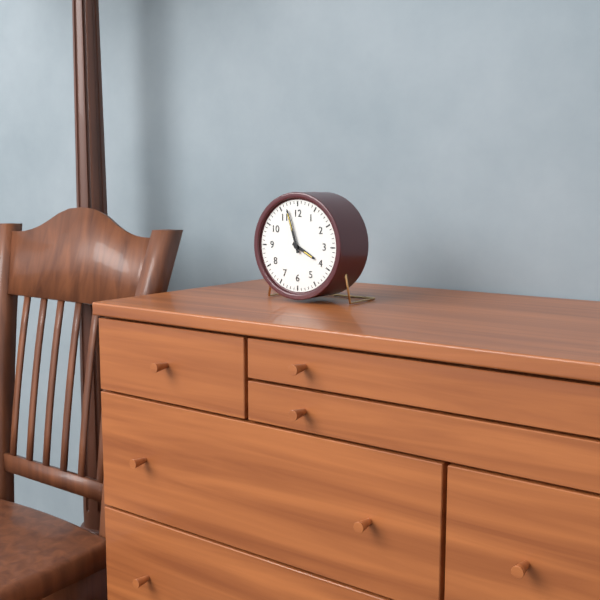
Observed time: 3:57
